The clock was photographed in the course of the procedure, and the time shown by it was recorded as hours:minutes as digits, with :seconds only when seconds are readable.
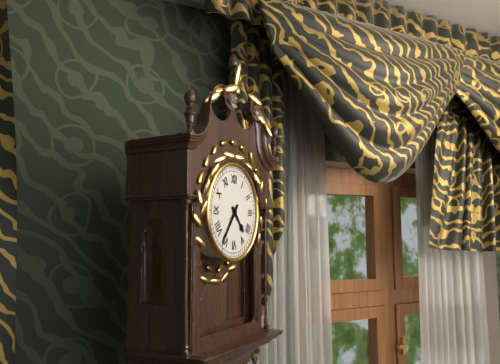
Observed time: 4:36
